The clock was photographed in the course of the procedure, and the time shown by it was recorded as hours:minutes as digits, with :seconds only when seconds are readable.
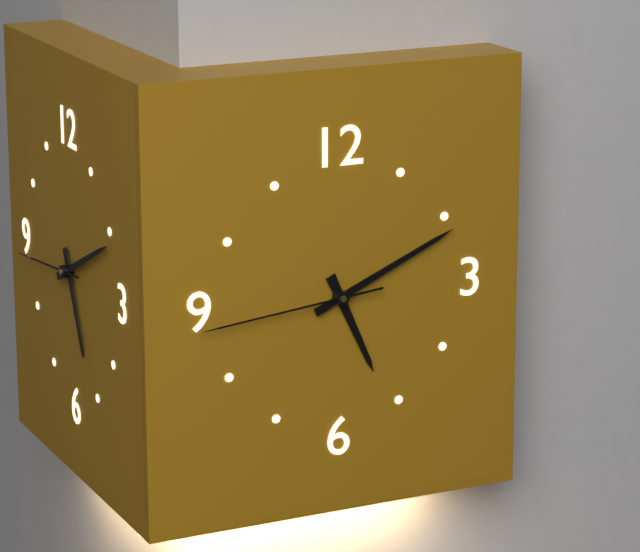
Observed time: 5:11:44
